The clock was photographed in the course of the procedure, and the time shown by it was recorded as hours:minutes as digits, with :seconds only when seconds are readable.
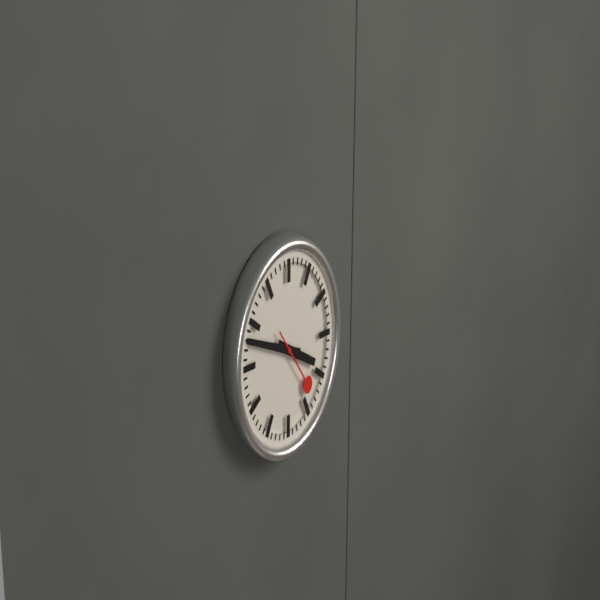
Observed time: 3:48:23
